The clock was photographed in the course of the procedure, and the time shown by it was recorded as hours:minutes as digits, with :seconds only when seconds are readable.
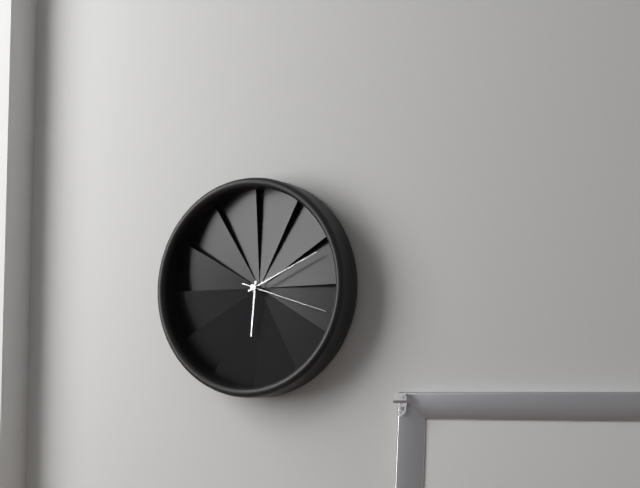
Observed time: 6:11:18
